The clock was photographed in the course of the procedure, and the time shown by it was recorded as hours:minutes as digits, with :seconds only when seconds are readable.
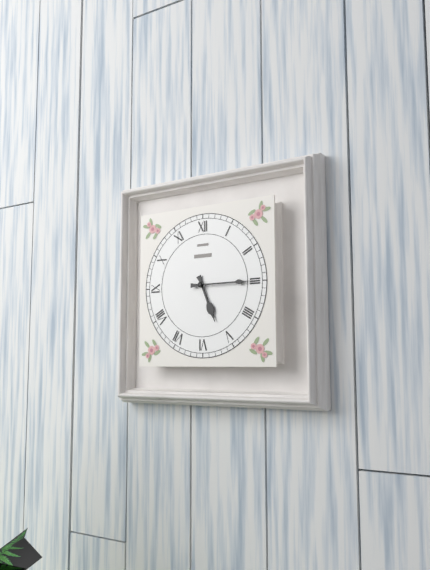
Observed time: 5:15
